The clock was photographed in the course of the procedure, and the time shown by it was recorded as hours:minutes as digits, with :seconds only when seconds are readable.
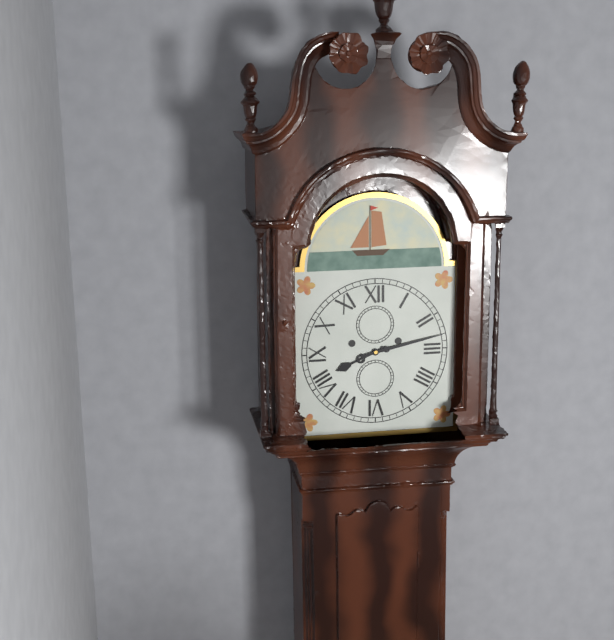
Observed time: 8:13
